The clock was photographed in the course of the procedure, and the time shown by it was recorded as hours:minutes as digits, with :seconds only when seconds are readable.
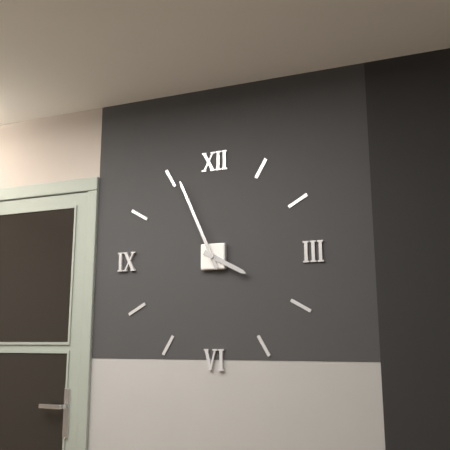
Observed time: 3:56
